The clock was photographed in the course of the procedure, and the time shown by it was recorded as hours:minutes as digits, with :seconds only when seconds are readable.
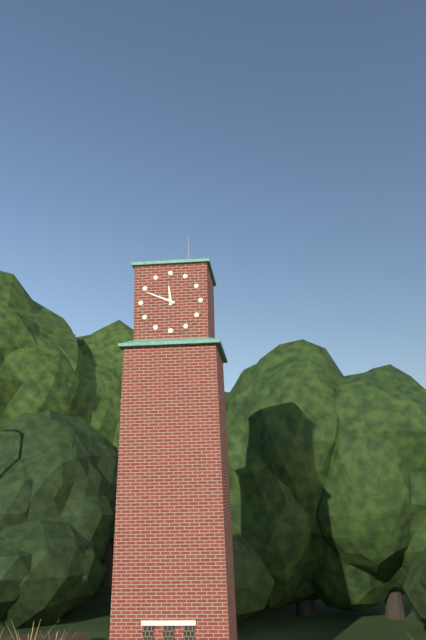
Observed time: 11:49
